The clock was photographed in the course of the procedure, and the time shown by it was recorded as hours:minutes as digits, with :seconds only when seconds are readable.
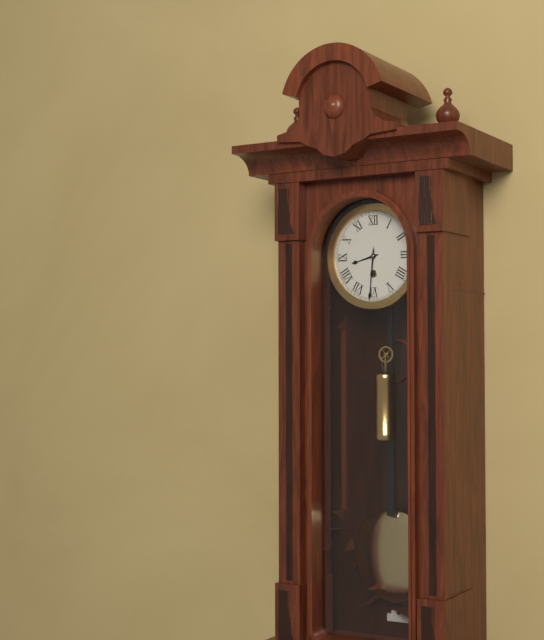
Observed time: 8:31
